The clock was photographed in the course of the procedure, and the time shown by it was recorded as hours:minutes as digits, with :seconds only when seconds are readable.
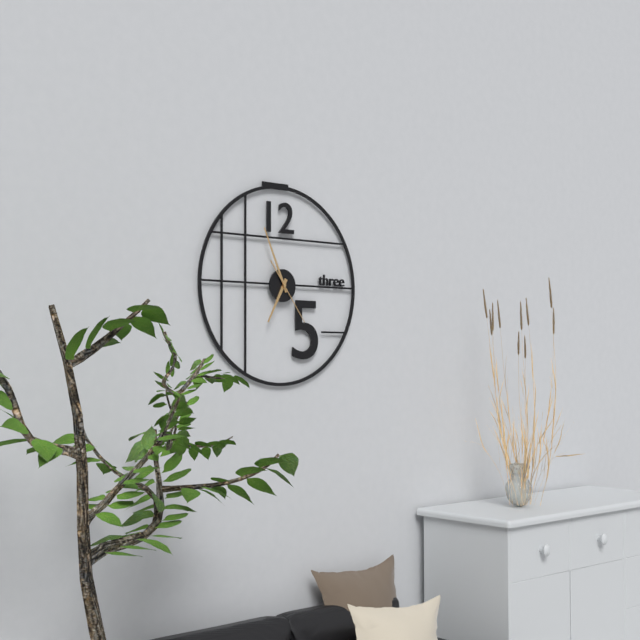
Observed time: 6:56:24
